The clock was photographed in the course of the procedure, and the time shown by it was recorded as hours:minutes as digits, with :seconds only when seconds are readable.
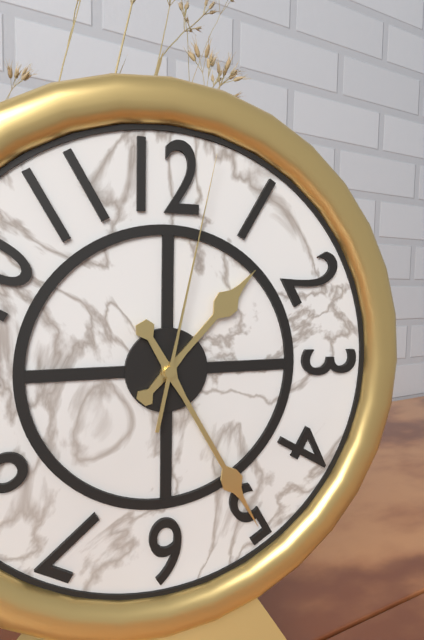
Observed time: 1:25:02
